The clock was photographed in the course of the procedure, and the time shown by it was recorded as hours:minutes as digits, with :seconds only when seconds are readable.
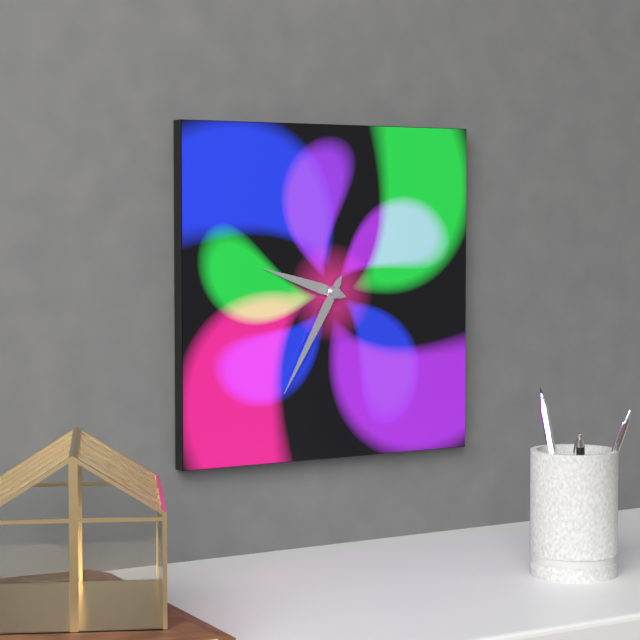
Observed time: 9:35
